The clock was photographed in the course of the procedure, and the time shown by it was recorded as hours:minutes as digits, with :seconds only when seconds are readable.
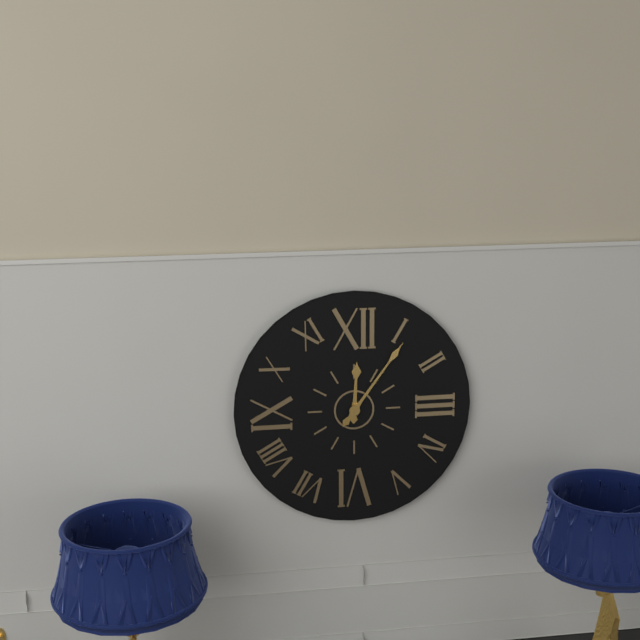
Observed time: 12:06
